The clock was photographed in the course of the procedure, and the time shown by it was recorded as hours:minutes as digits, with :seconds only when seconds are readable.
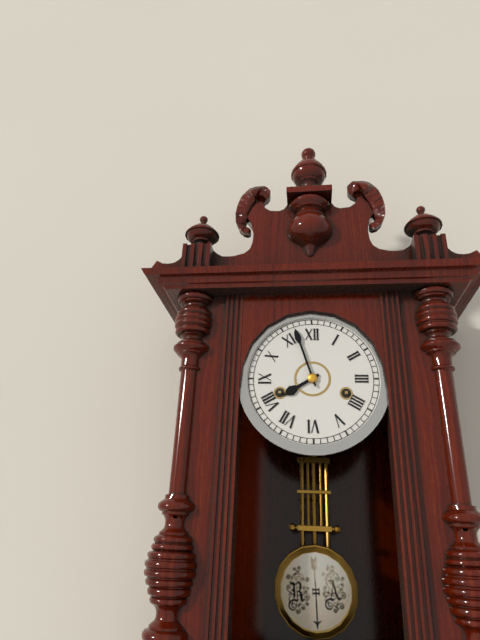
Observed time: 7:57
